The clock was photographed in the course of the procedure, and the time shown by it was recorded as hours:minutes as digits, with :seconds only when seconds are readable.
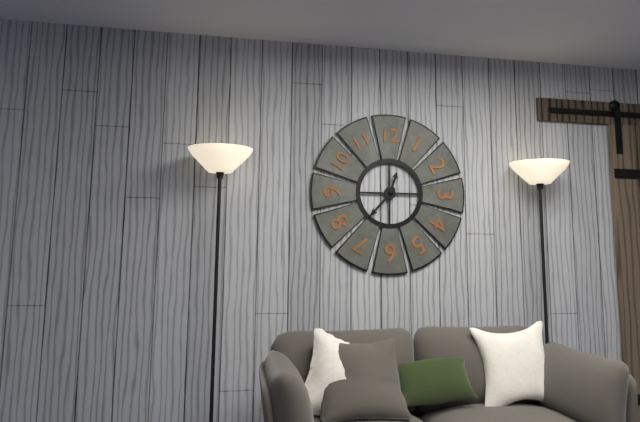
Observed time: 12:37
